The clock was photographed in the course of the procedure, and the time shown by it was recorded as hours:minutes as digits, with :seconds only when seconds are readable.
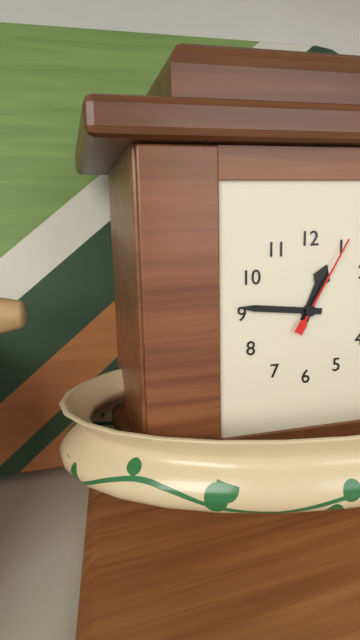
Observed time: 12:46:05
